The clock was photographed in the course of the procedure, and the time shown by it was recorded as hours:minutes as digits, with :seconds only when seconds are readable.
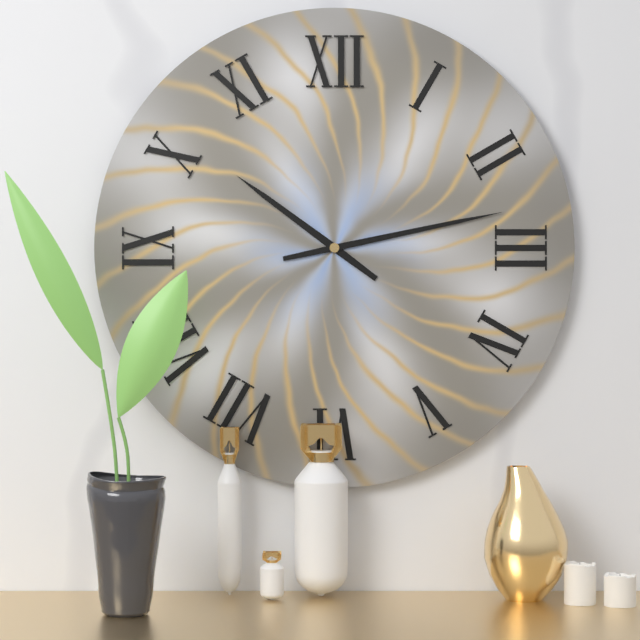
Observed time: 10:13
